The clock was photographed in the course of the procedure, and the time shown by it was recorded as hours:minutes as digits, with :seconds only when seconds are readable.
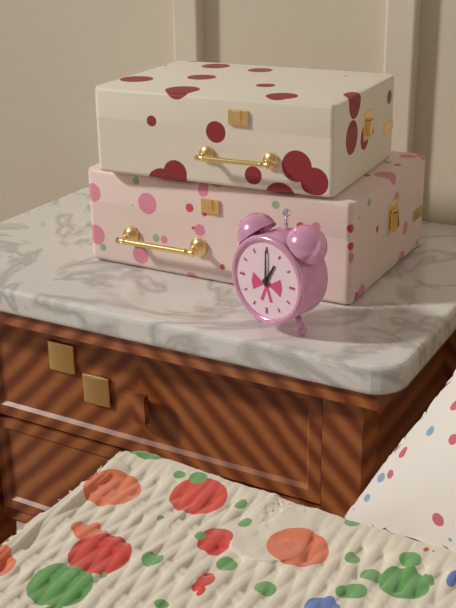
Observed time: 1:00
